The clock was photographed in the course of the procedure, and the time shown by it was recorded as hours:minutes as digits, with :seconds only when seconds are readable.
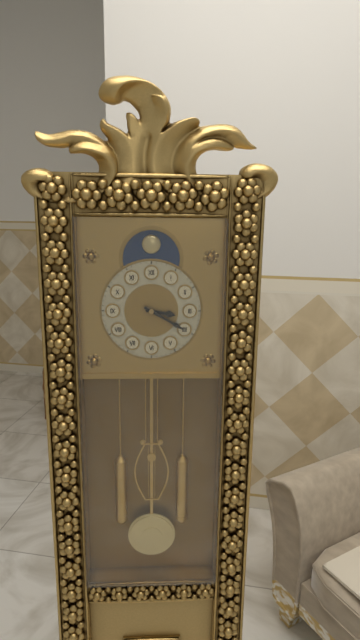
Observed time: 3:20
